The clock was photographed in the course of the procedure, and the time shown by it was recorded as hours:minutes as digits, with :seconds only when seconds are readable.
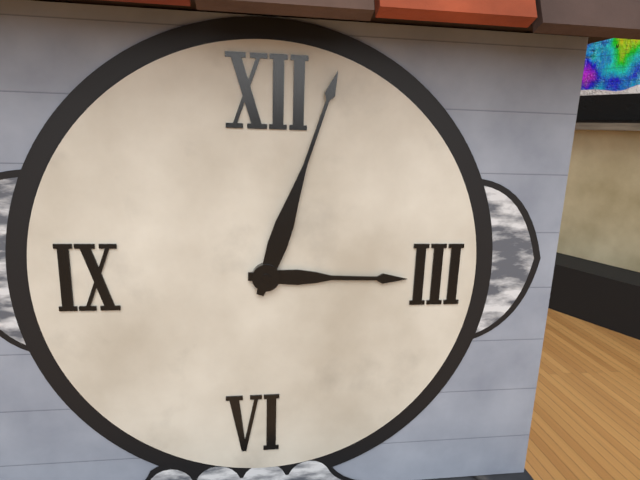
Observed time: 3:03
